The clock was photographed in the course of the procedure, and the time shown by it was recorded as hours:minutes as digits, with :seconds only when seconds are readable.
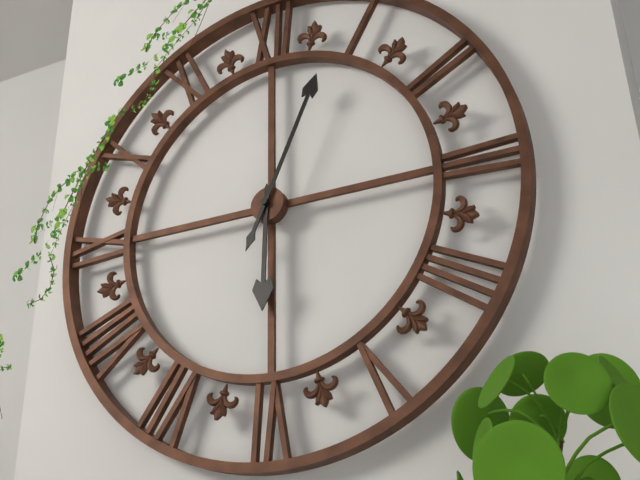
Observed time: 6:04
